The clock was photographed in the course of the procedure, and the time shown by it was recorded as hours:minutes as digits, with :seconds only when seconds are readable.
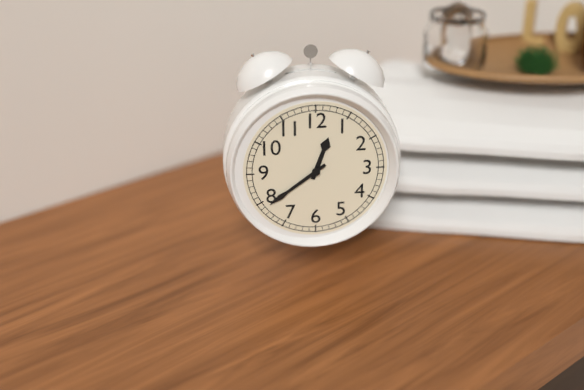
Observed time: 12:39
